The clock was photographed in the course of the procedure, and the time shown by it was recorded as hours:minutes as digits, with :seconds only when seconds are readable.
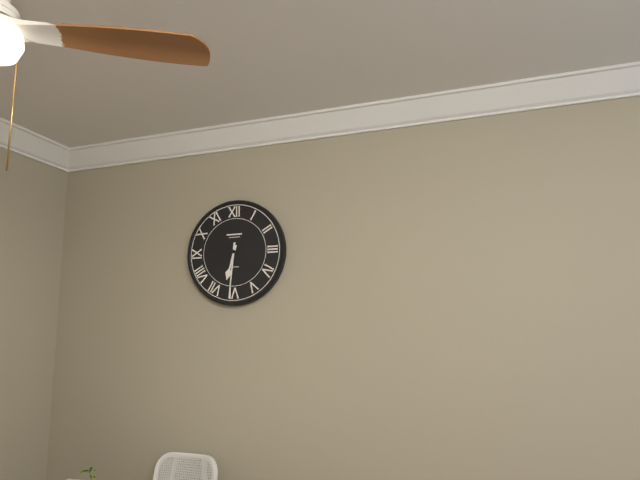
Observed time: 6:31
